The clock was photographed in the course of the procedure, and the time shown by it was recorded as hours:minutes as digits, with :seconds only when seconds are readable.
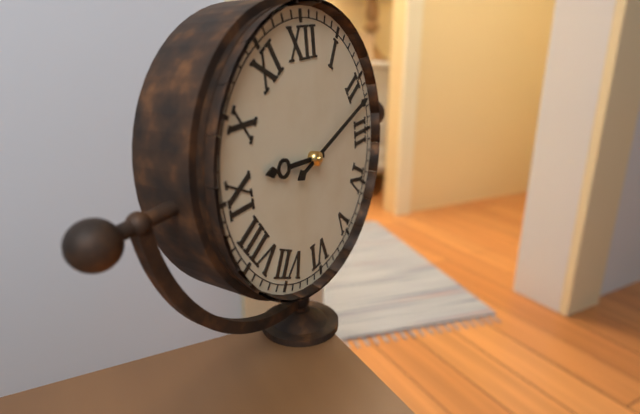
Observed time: 9:12
